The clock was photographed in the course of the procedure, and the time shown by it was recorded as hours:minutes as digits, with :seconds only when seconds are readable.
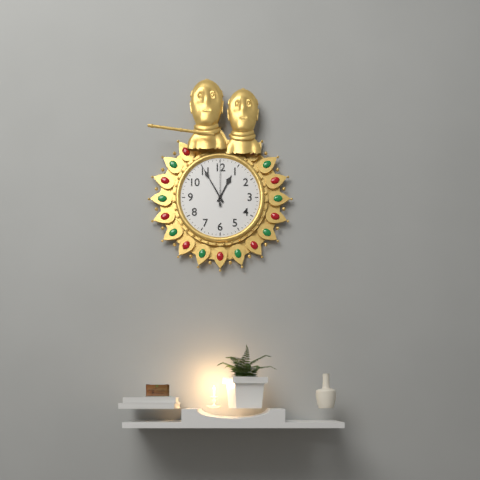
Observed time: 12:55
